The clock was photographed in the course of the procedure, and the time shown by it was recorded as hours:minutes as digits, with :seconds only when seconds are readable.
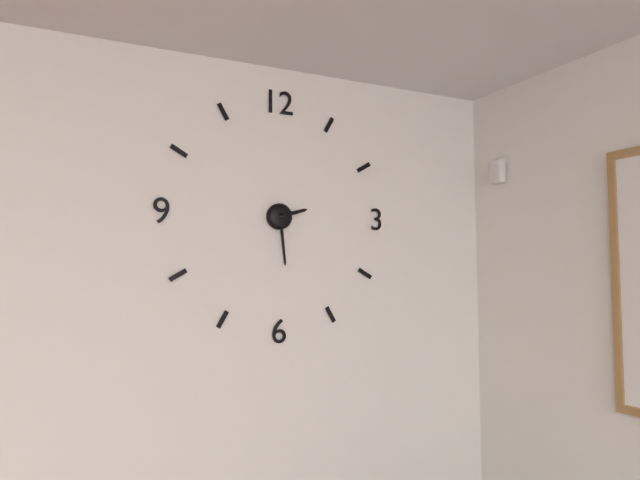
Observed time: 2:29
